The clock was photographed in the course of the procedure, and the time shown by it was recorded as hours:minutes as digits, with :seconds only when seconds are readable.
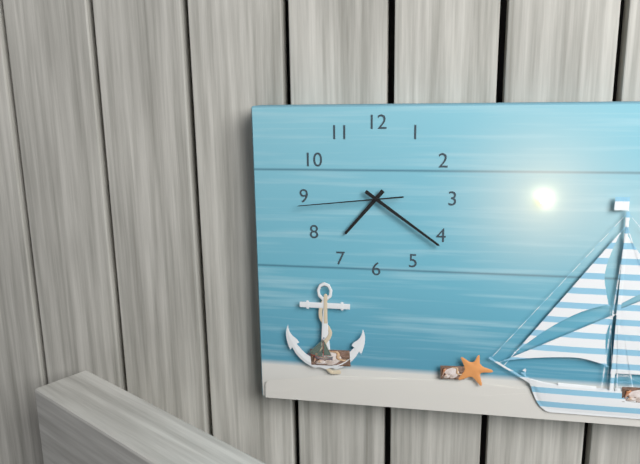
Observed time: 7:21:44
